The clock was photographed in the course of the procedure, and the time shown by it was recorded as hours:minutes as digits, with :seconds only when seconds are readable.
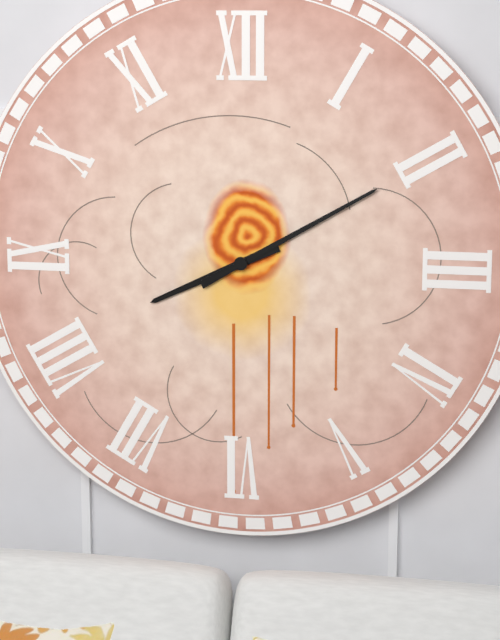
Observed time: 8:10
